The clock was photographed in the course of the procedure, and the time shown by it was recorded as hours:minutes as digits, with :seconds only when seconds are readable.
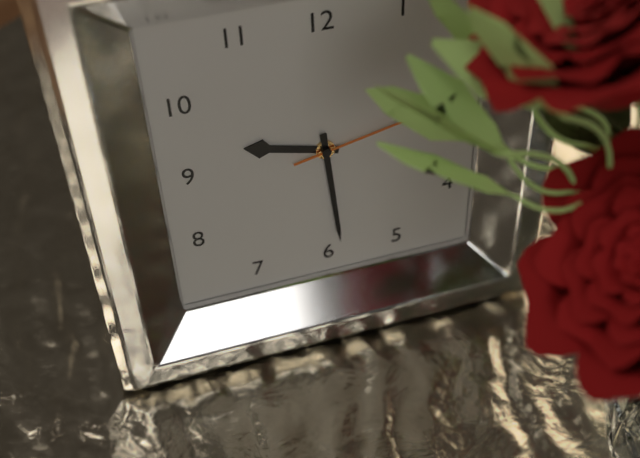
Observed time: 9:29
